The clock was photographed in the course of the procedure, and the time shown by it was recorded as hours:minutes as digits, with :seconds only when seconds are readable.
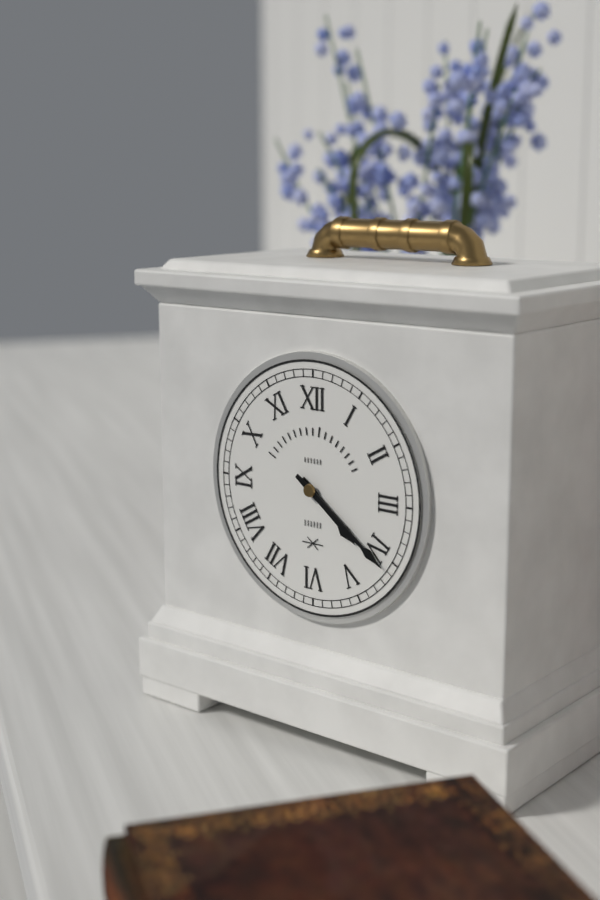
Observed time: 4:21
